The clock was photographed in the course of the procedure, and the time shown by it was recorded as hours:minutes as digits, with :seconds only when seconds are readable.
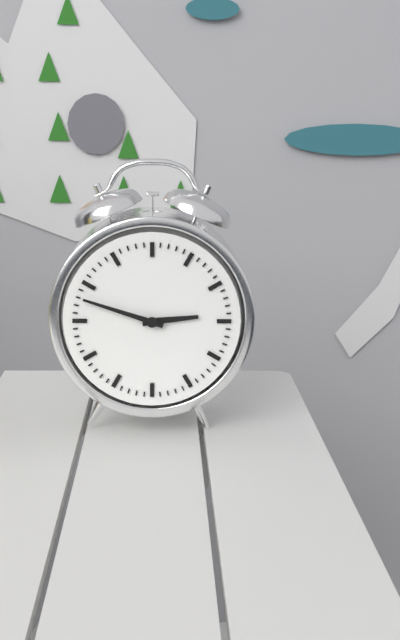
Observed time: 2:48
